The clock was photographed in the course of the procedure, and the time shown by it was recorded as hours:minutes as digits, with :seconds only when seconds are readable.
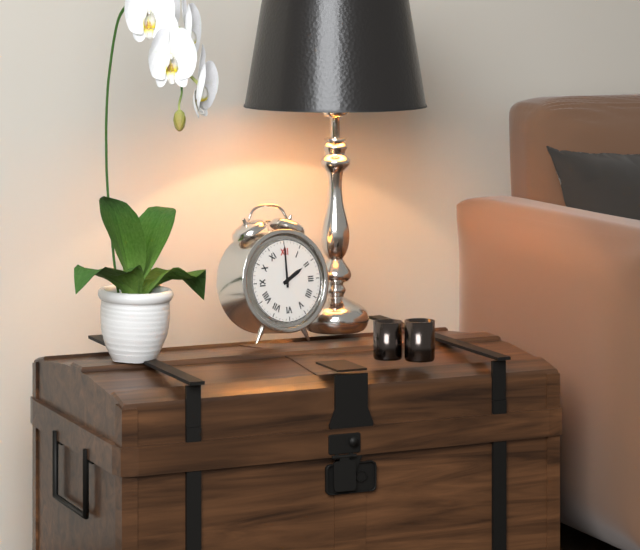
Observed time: 2:00
